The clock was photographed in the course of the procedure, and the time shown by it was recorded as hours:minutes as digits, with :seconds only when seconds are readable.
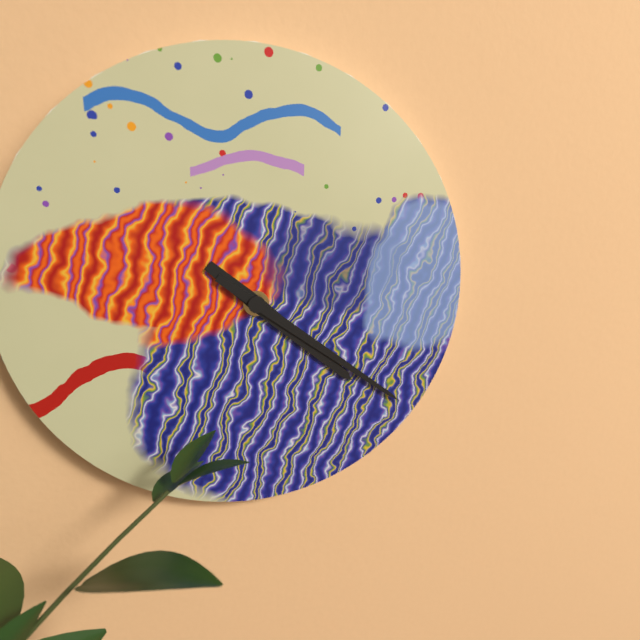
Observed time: 4:21
